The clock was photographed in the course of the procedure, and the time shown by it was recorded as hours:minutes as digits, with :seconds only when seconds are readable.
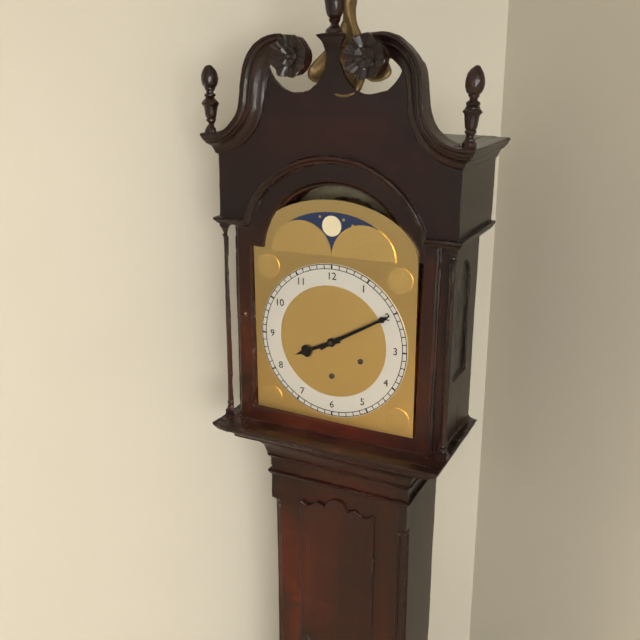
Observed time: 8:10
